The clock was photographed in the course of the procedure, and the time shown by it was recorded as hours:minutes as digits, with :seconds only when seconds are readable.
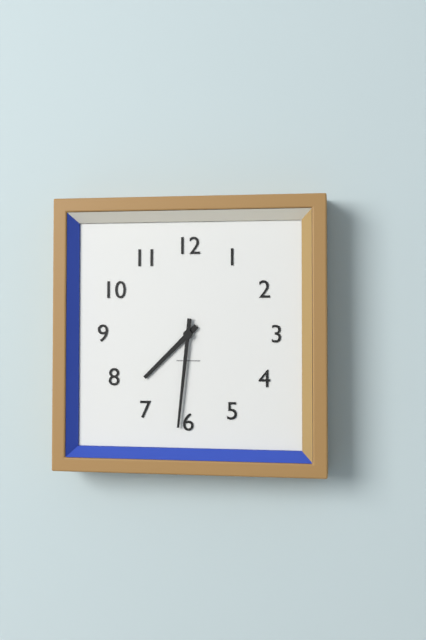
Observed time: 7:31
